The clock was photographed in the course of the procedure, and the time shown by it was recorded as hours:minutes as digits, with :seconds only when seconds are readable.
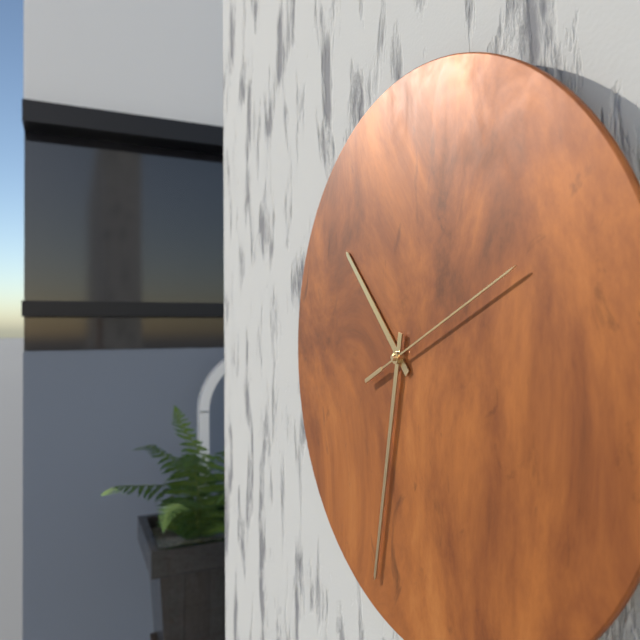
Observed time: 10:32:11
